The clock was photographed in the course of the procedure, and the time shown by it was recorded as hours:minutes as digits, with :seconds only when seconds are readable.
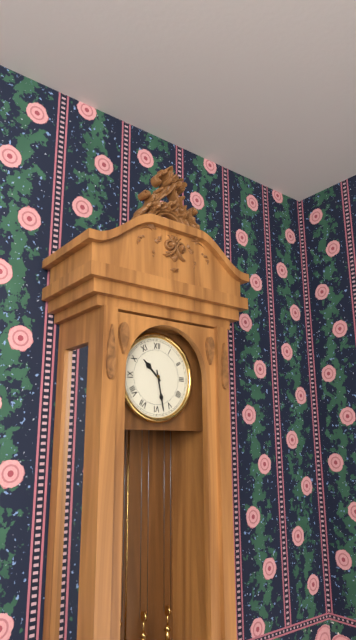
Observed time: 10:28
